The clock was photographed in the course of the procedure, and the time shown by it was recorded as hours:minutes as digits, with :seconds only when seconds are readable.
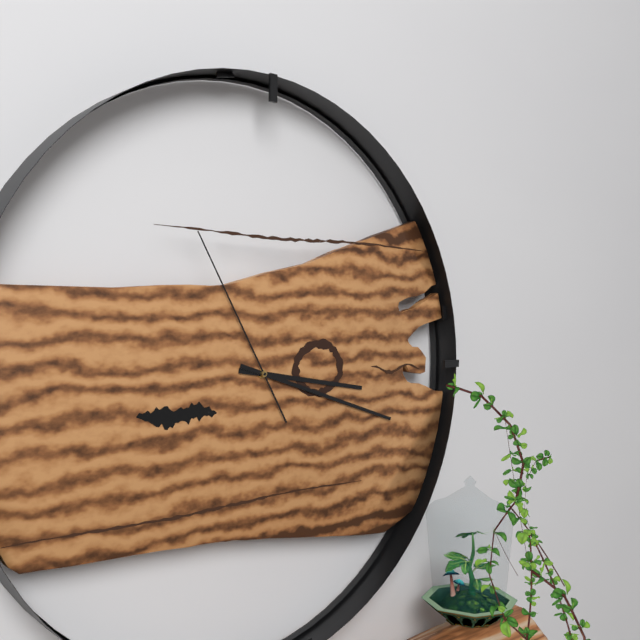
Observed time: 3:18:55
